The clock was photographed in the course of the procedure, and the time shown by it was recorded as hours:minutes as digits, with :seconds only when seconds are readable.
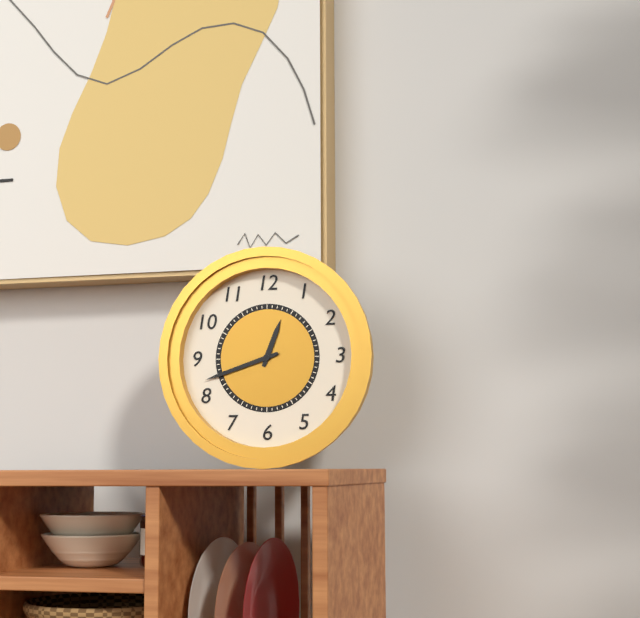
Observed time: 12:42
